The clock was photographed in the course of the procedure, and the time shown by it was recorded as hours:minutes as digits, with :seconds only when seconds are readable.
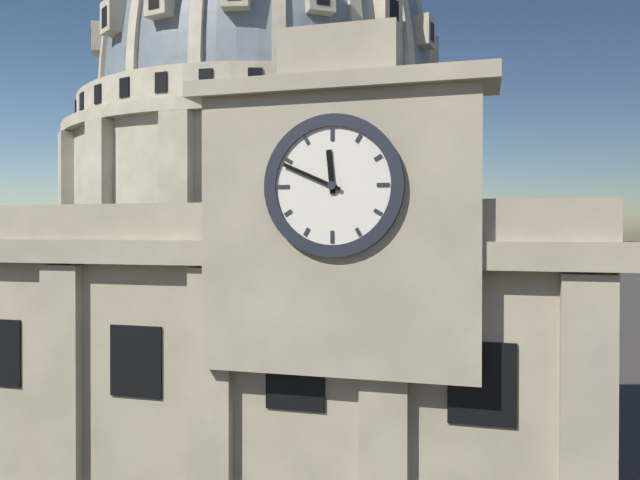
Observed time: 11:49
